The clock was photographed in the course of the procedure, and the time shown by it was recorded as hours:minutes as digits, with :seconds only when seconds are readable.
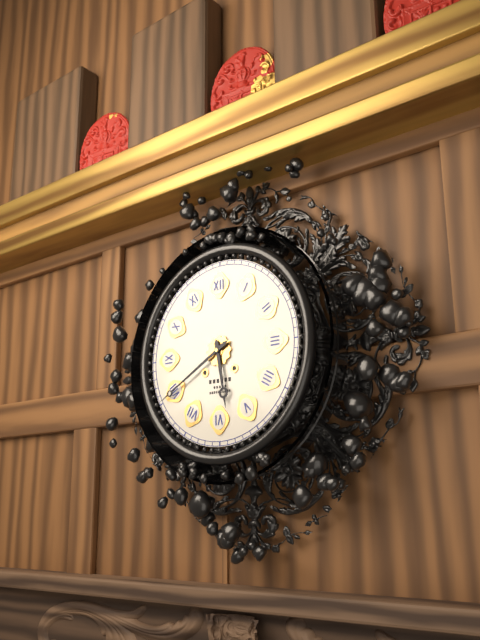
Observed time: 5:40
